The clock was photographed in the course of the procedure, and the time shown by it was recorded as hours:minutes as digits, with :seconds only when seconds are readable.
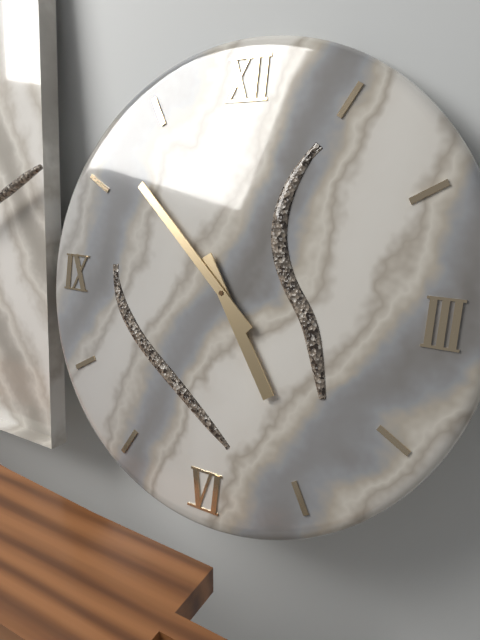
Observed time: 4:52
